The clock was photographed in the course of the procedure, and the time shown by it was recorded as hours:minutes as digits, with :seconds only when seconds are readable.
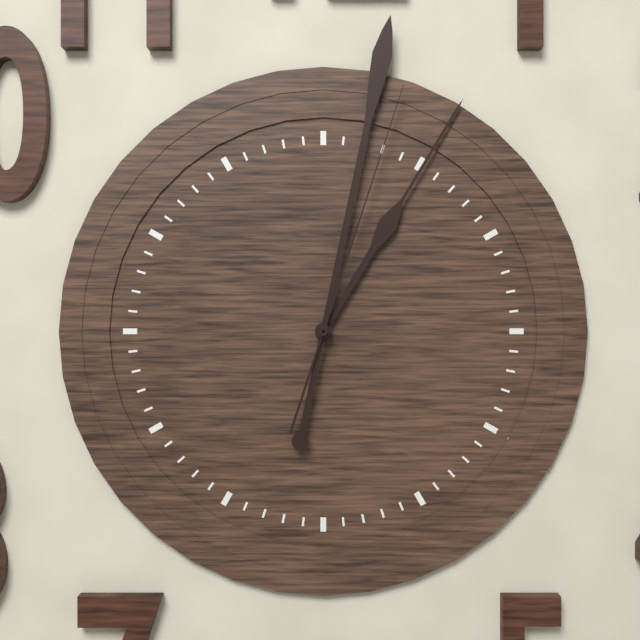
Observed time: 1:02:03
